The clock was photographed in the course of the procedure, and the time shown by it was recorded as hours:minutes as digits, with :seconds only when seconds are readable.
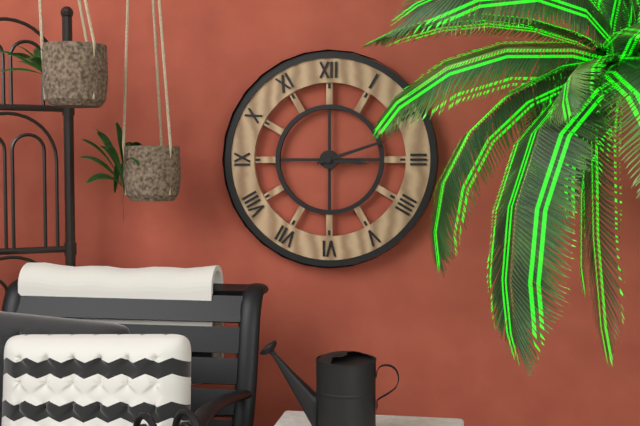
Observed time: 3:12
